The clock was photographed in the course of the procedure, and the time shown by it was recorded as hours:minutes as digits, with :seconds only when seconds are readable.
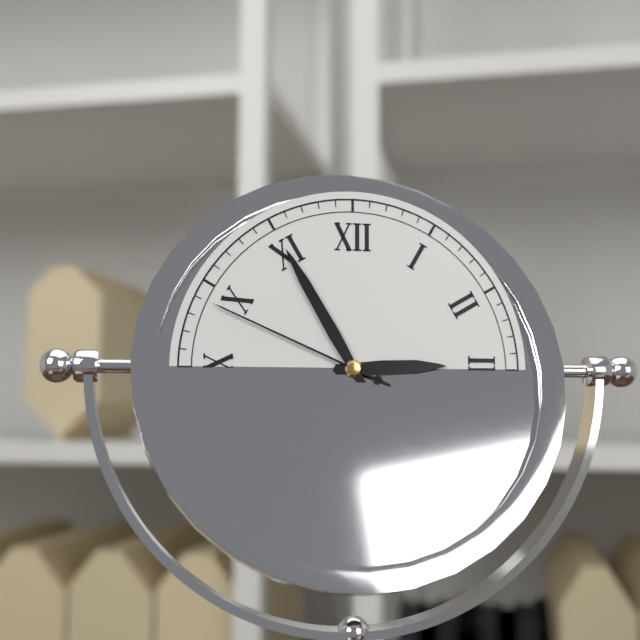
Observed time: 2:55:49
